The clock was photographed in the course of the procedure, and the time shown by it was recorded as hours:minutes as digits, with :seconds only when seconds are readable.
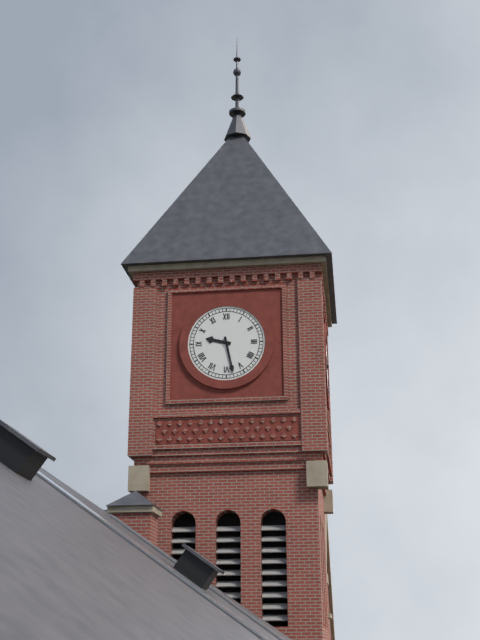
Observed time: 9:28
